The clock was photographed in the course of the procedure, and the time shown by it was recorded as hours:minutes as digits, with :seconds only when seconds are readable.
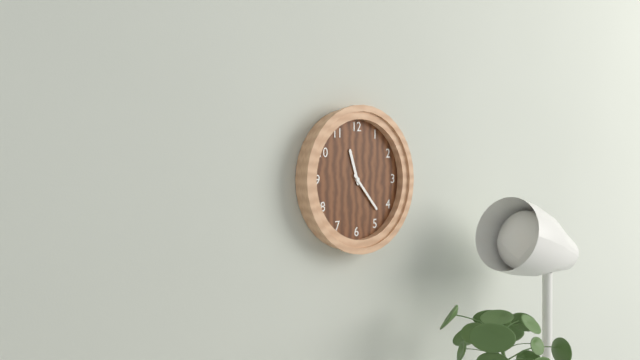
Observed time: 11:23
